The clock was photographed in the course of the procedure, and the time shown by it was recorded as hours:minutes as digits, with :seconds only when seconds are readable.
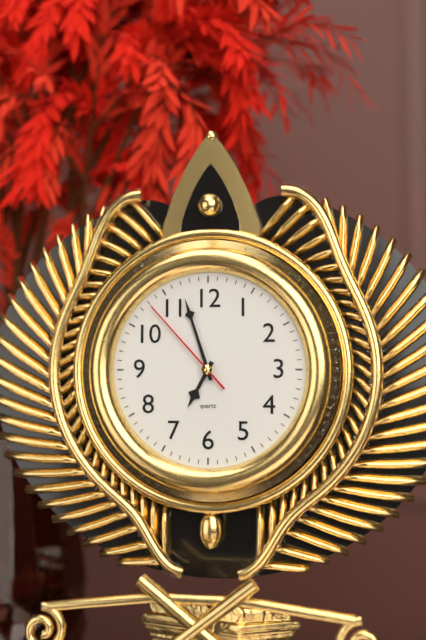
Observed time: 6:57:53
